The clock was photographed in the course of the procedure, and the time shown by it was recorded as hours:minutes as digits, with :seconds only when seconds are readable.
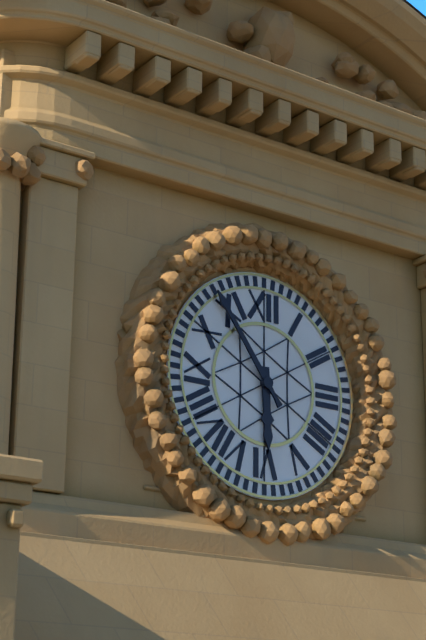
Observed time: 5:54
